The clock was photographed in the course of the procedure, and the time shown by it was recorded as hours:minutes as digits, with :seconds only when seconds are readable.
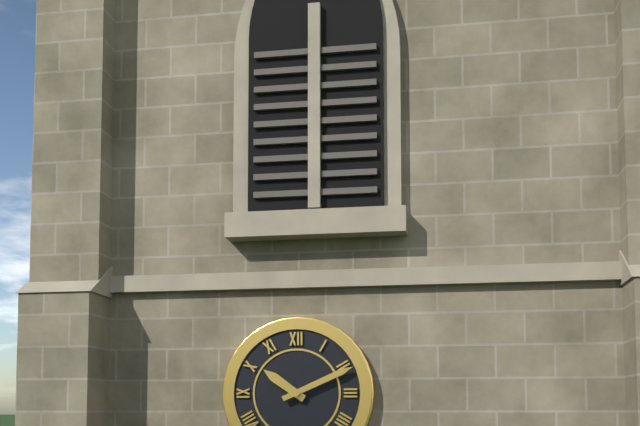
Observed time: 10:11
